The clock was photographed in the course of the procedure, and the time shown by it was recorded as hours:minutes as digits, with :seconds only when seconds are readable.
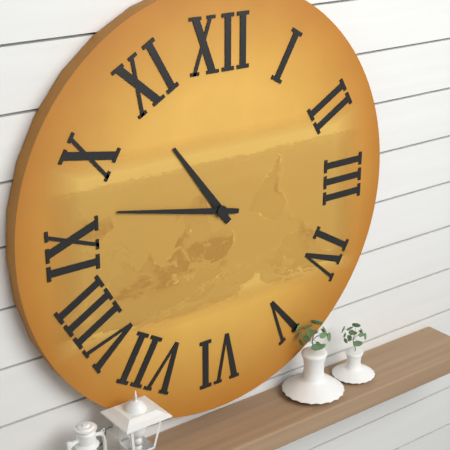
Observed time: 10:47
